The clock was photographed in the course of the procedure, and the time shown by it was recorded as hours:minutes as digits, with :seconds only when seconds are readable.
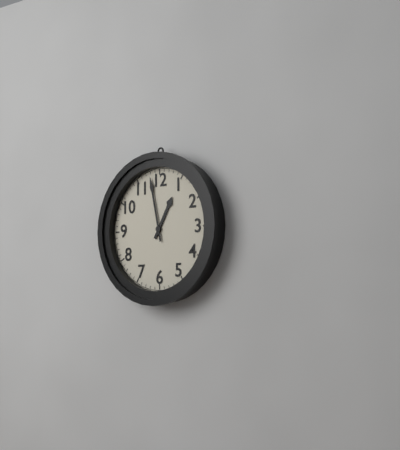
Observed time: 12:58
